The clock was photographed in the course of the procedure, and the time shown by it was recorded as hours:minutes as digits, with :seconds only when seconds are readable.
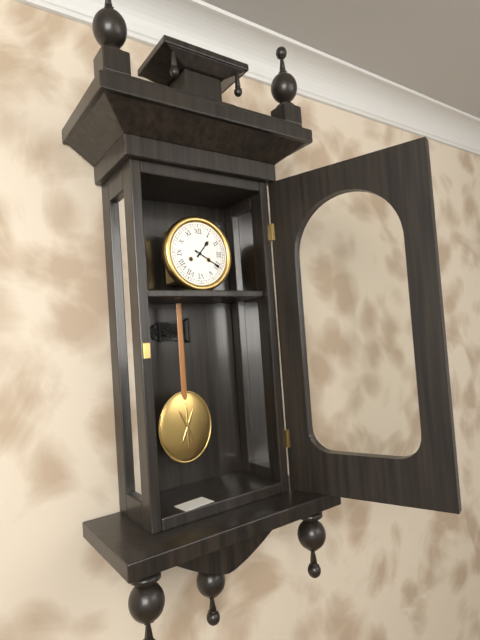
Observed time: 1:20
